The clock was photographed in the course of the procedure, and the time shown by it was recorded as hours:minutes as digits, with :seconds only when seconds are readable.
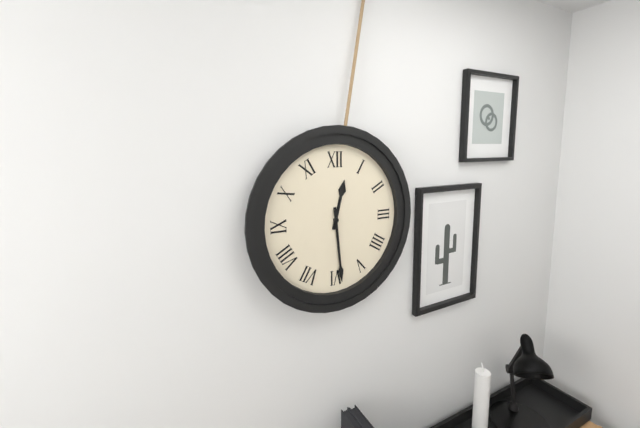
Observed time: 12:29
